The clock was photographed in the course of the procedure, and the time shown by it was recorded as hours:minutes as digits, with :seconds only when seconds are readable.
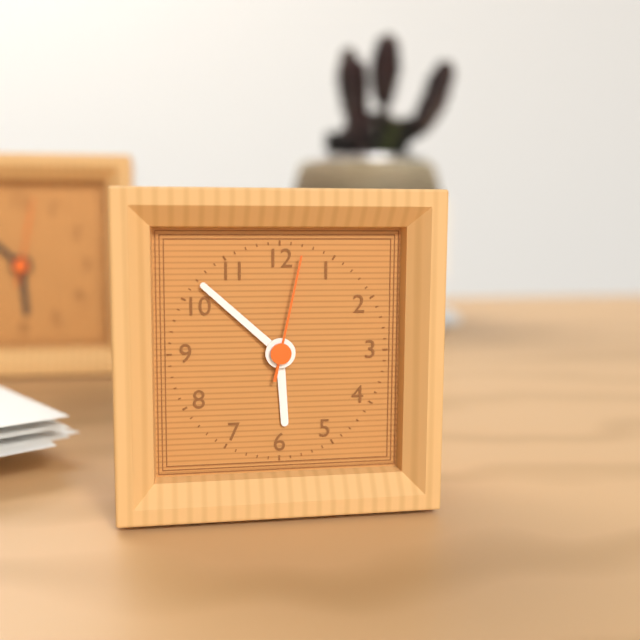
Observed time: 5:52:02
